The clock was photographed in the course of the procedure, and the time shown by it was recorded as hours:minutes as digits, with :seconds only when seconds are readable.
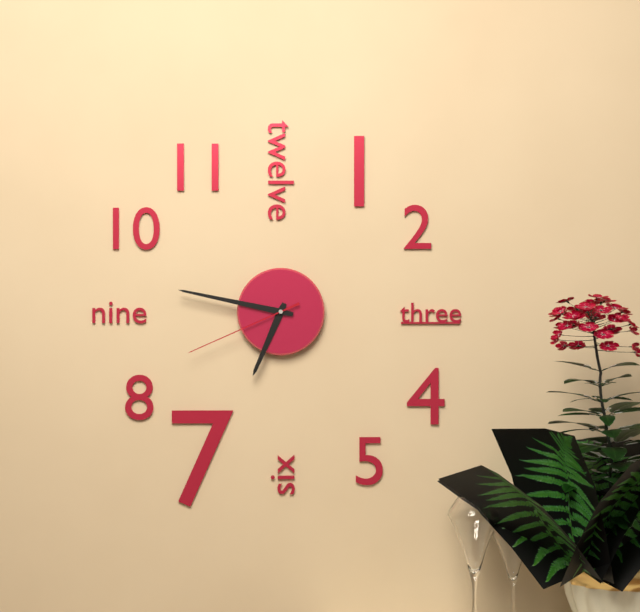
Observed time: 6:47:41
